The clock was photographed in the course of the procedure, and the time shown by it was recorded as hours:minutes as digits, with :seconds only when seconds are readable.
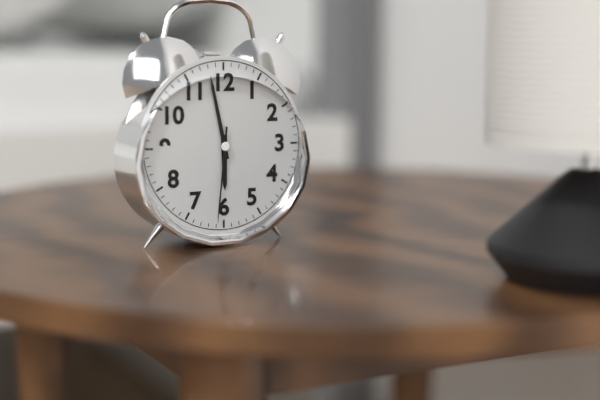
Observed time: 5:58:31
